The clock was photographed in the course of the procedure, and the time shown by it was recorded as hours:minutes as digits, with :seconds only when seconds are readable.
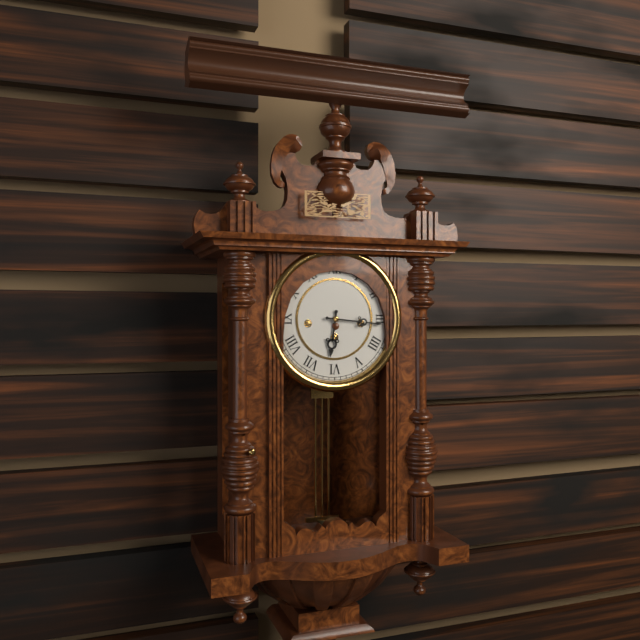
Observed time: 6:16
